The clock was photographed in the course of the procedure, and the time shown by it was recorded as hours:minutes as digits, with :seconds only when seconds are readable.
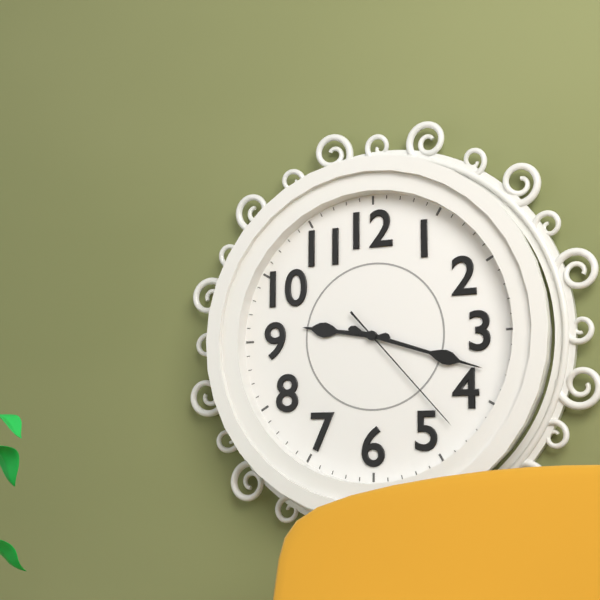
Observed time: 9:18:23
